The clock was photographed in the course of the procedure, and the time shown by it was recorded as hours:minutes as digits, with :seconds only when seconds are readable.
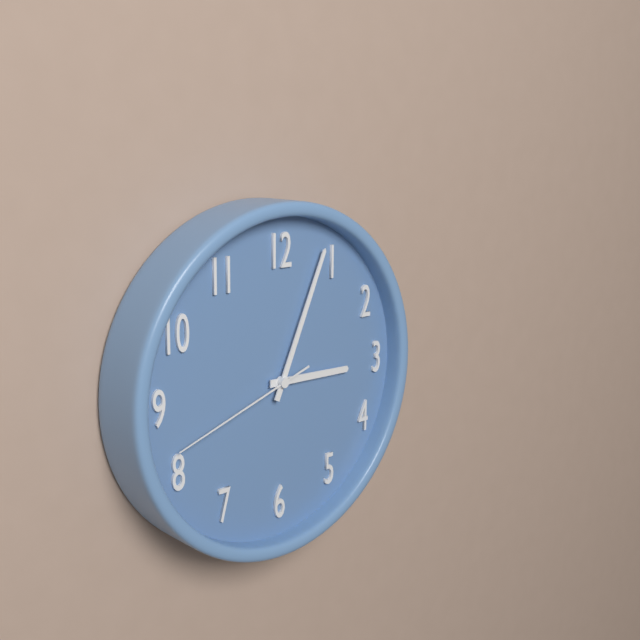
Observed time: 3:04:42
